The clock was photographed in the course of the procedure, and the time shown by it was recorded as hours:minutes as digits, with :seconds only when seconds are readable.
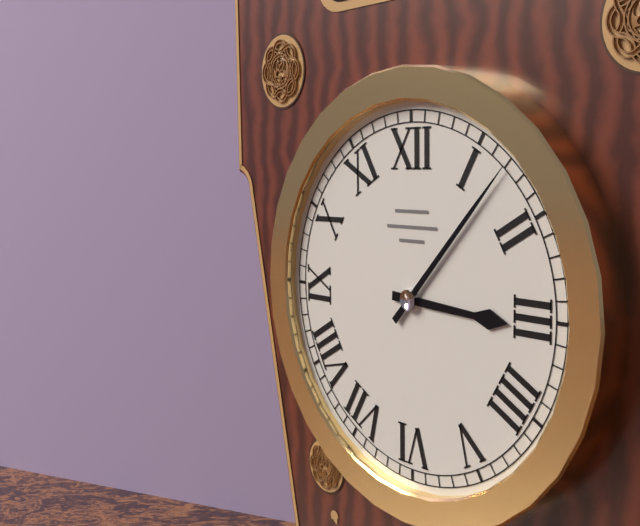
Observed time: 3:07
